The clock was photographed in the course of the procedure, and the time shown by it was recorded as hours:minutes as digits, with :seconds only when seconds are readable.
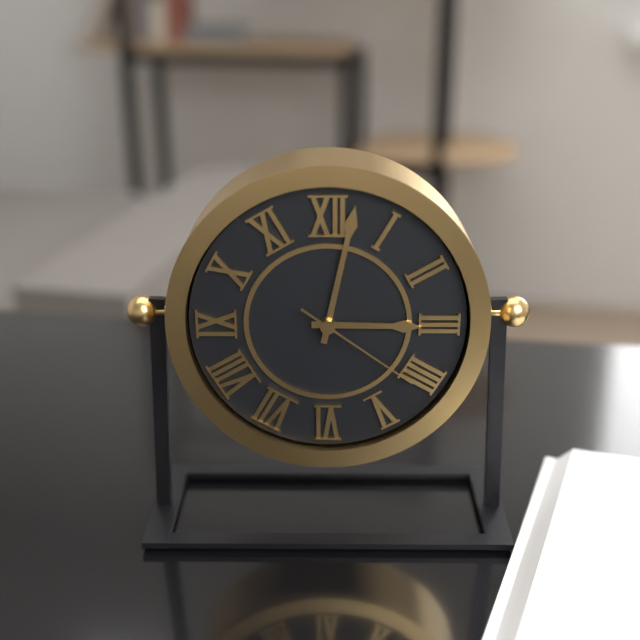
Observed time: 3:02:21
